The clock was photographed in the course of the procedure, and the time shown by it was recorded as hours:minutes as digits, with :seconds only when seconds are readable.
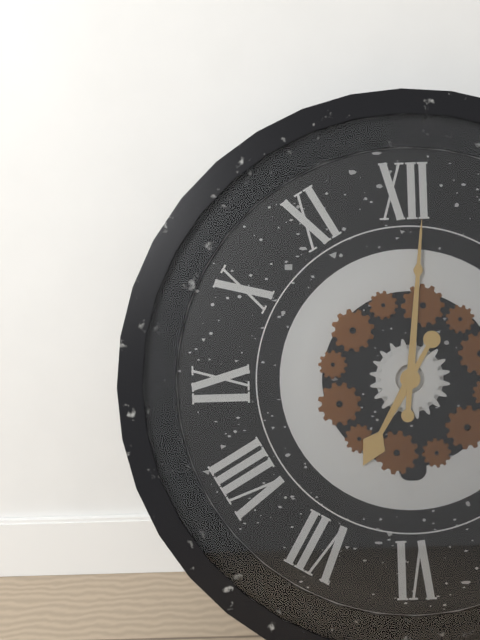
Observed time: 7:01
